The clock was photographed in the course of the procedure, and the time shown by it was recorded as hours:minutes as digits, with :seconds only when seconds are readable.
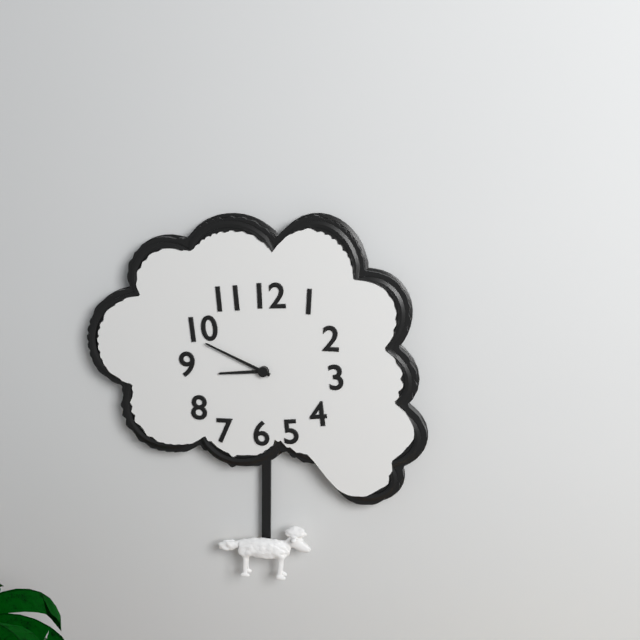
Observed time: 8:49
